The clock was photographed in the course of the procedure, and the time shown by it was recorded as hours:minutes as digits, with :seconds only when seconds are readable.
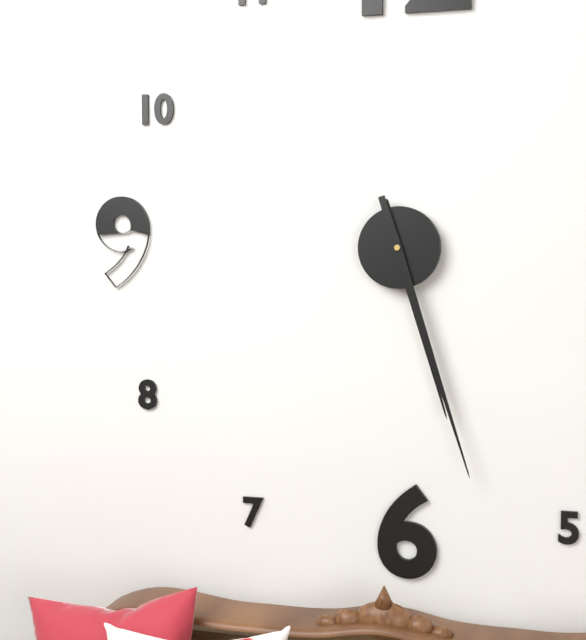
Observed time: 5:27
